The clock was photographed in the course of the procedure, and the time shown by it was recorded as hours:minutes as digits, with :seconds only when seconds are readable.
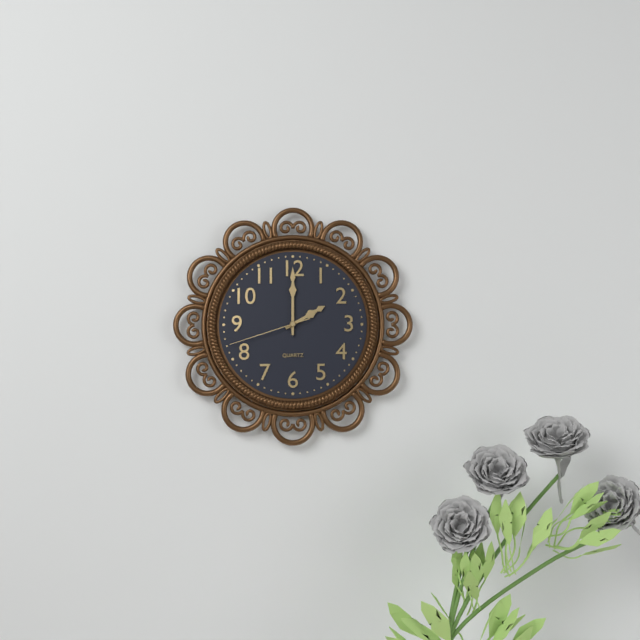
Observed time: 2:00:42
